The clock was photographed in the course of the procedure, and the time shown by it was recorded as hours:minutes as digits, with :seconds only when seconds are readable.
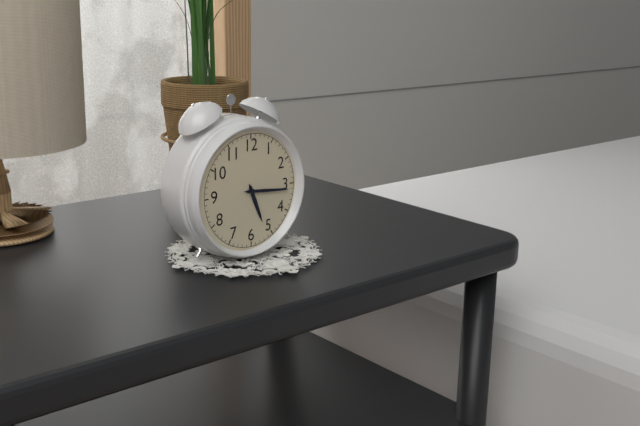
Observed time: 5:16
